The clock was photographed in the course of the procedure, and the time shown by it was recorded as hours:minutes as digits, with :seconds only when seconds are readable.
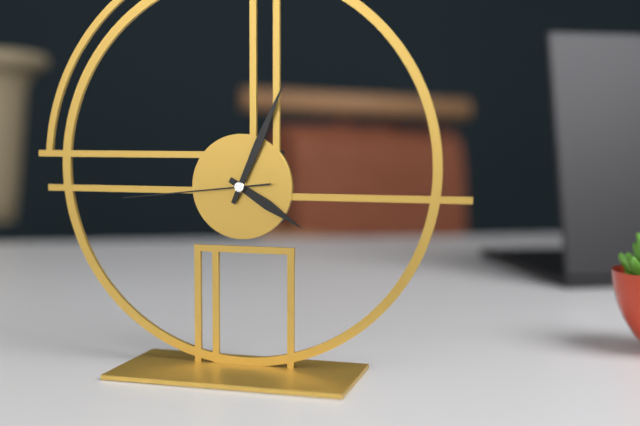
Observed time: 4:04:44
